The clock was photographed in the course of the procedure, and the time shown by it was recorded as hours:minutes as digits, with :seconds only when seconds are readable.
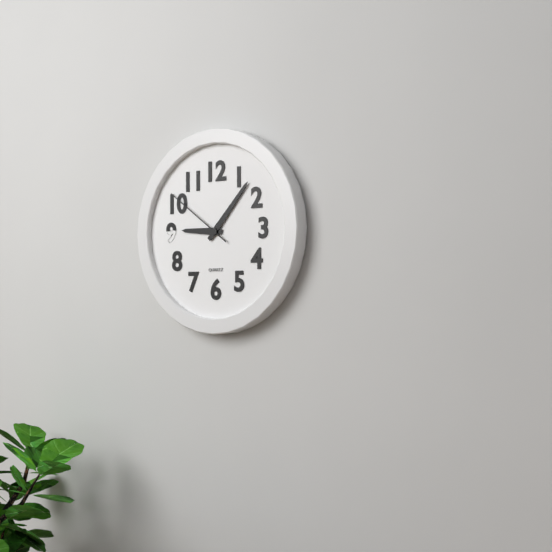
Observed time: 9:07:51
